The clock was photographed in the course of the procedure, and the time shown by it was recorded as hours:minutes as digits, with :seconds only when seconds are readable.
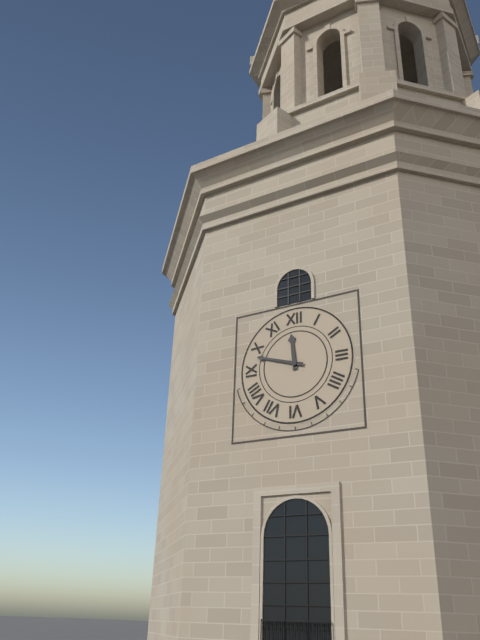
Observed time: 11:48
